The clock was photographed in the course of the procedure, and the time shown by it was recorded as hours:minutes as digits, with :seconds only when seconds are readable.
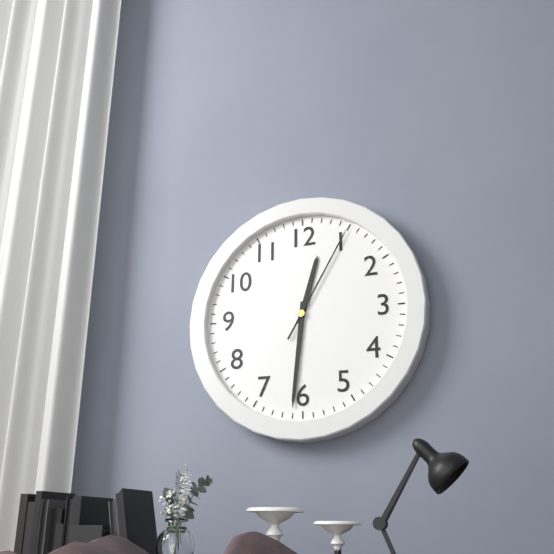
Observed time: 12:31:05
